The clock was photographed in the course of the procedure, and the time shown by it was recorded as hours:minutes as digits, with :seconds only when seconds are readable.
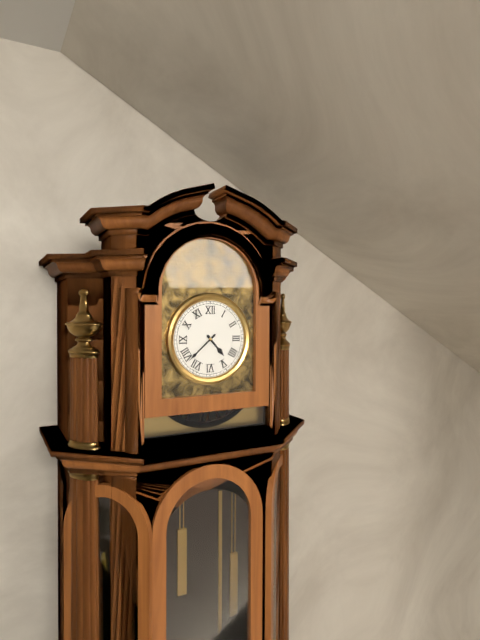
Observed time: 4:38
